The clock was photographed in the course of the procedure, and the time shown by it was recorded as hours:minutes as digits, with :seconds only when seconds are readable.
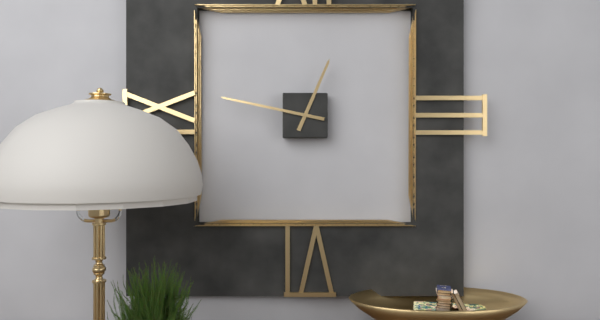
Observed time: 12:47
